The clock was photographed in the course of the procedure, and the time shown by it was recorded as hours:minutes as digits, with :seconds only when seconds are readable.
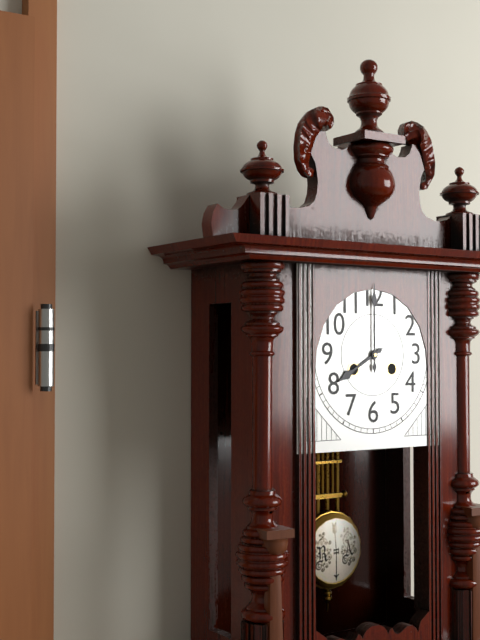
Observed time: 8:00
